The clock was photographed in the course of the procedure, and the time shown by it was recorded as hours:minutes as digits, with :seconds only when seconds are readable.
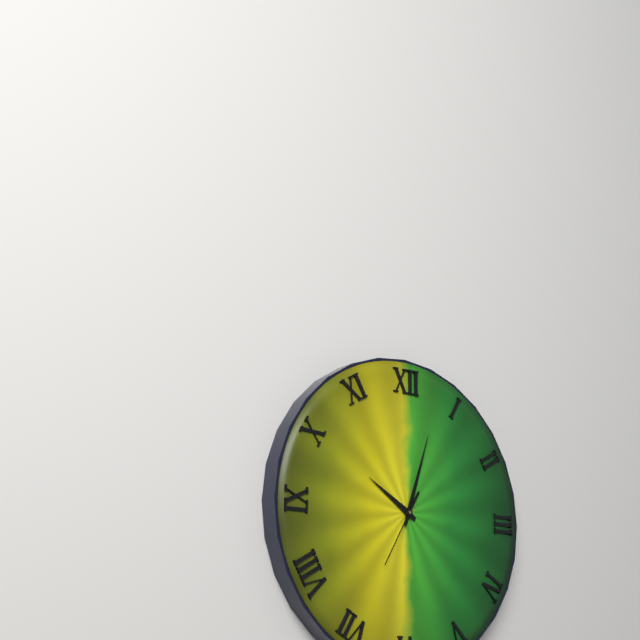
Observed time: 10:03:35
